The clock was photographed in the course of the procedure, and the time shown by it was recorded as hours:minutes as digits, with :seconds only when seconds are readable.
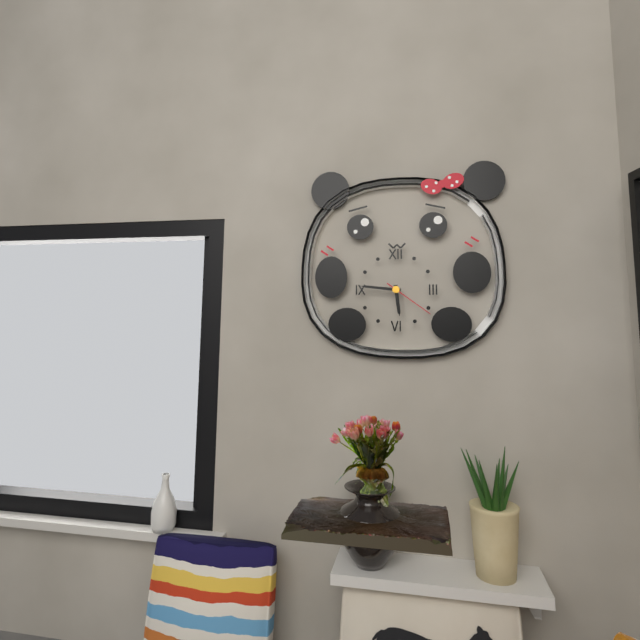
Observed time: 5:46:21
